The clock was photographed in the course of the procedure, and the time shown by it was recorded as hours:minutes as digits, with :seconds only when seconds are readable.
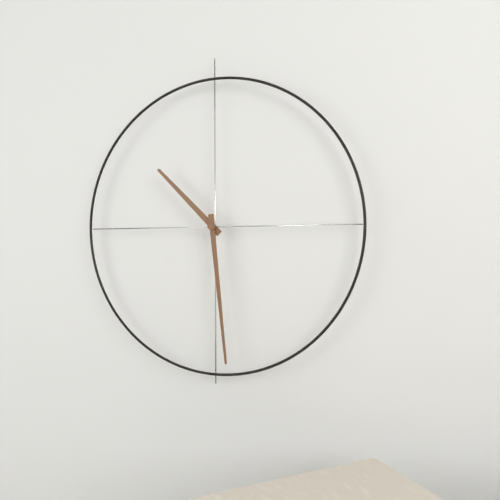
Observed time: 10:29
